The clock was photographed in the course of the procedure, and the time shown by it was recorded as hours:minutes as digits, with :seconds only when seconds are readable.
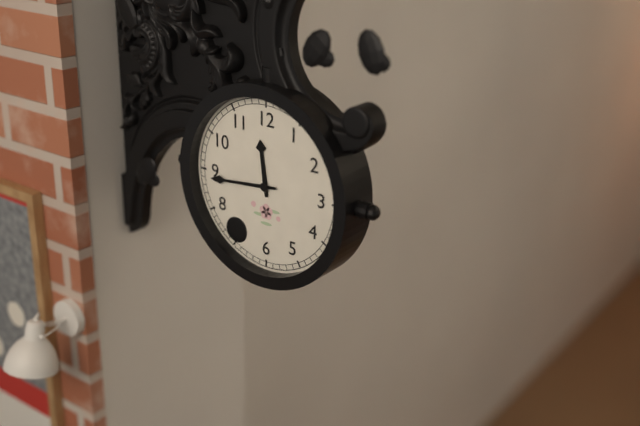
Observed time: 11:44
